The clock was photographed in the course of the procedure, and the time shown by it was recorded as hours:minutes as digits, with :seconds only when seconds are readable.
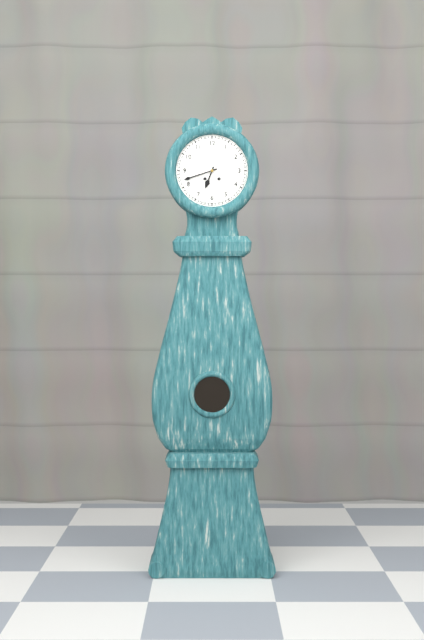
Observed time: 6:42
